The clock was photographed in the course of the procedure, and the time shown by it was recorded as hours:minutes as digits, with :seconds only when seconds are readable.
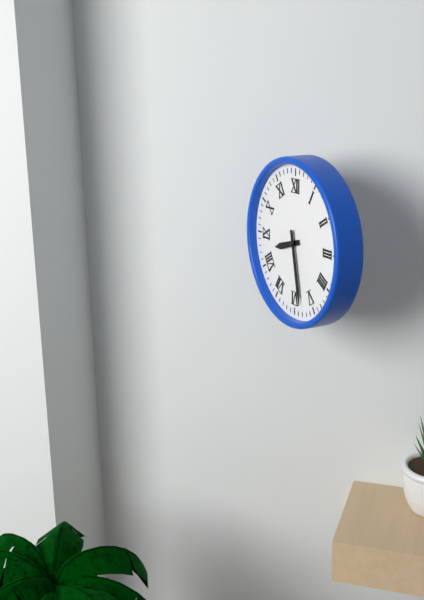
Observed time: 8:28
